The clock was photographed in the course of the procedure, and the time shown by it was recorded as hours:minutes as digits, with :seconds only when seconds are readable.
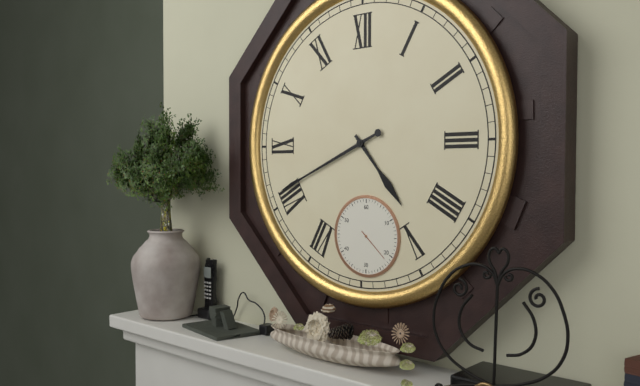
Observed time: 4:41
